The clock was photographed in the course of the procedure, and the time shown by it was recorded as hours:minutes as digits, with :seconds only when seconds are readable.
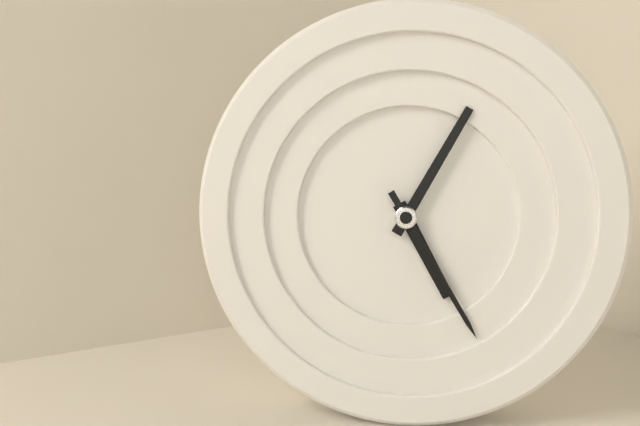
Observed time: 5:05:25
